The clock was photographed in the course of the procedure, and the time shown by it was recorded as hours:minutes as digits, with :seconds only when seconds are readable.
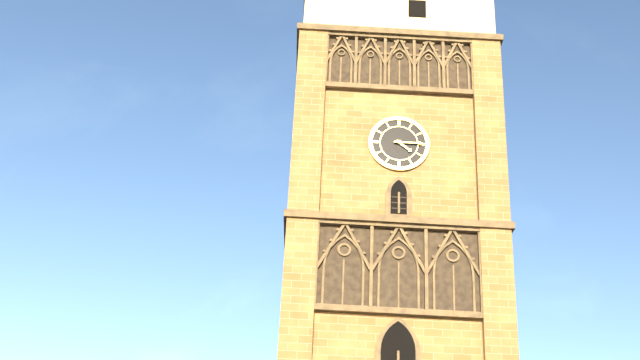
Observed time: 4:15
